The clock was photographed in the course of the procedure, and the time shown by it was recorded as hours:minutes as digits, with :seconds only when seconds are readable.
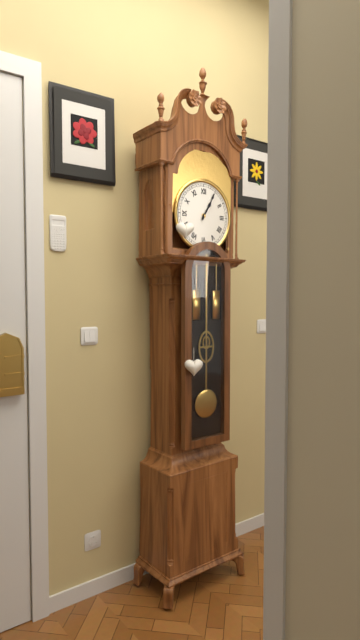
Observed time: 1:05
